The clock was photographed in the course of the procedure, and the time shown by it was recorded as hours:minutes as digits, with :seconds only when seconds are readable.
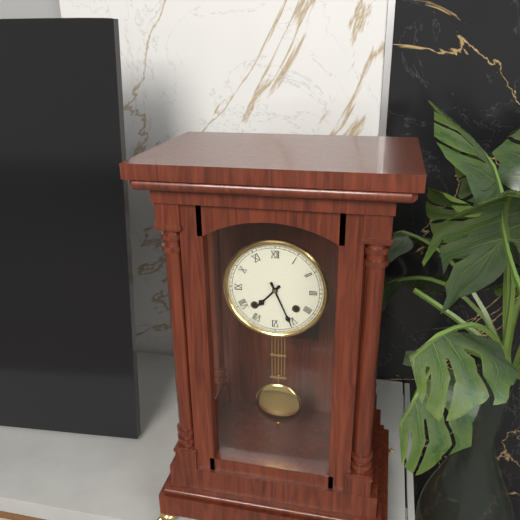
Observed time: 7:26
